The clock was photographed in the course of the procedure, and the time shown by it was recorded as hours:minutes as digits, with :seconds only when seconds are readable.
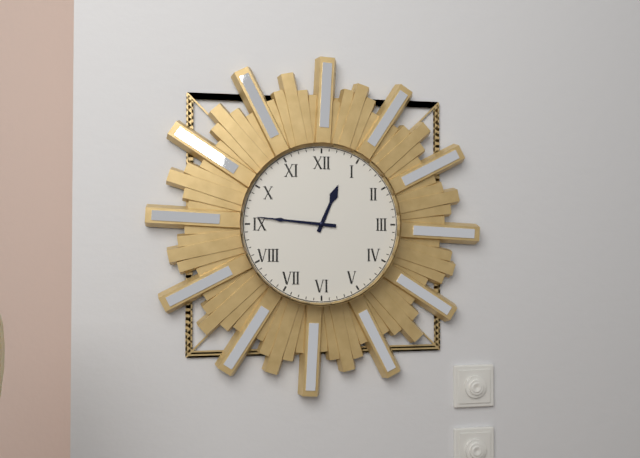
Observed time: 12:46
